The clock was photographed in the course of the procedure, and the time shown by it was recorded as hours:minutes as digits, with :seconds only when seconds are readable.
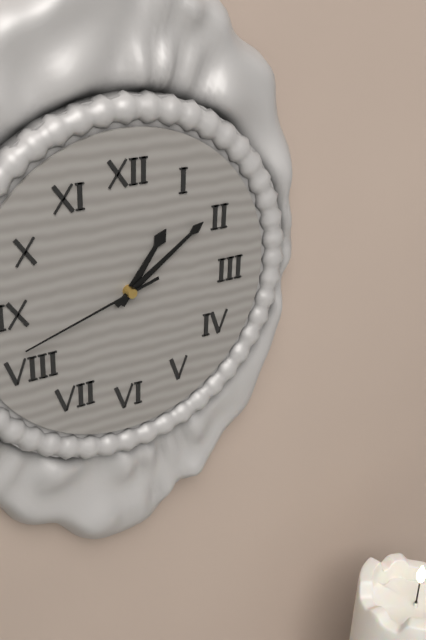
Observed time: 1:09:42
